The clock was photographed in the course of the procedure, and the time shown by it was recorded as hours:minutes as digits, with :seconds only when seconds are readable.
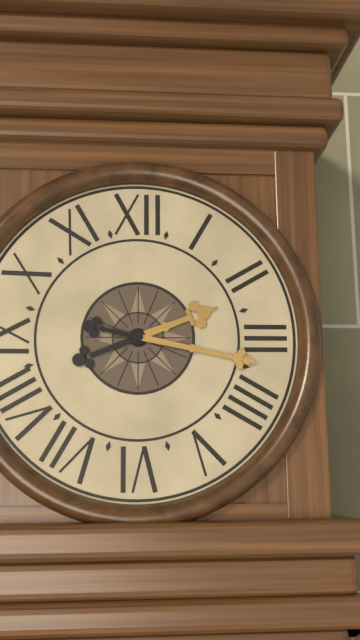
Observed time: 2:17
